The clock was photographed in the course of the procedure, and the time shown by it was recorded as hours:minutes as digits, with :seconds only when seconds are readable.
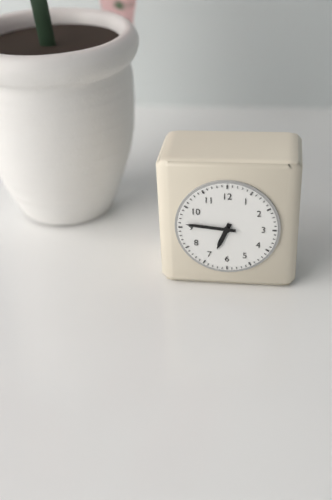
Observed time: 6:46
